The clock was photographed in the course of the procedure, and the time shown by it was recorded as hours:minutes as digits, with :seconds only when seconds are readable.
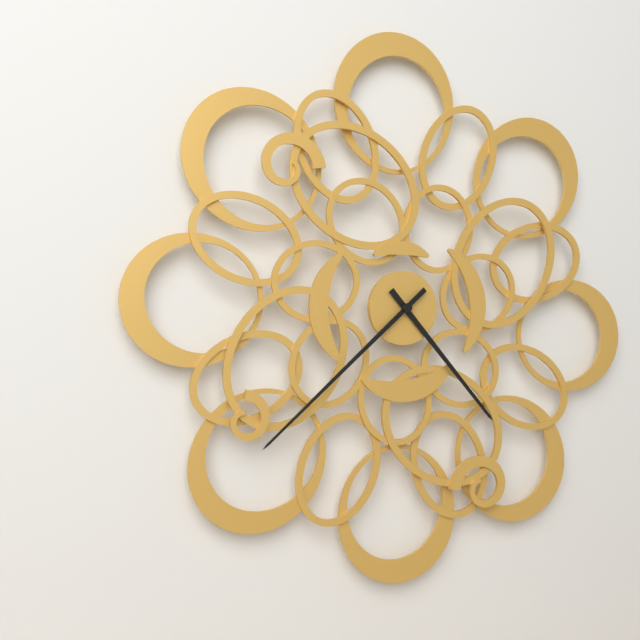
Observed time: 4:38
